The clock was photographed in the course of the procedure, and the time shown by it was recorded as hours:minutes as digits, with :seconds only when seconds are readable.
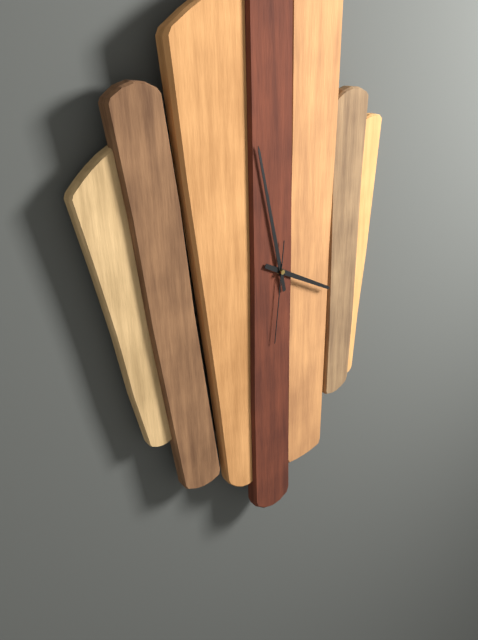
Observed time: 3:58:31
